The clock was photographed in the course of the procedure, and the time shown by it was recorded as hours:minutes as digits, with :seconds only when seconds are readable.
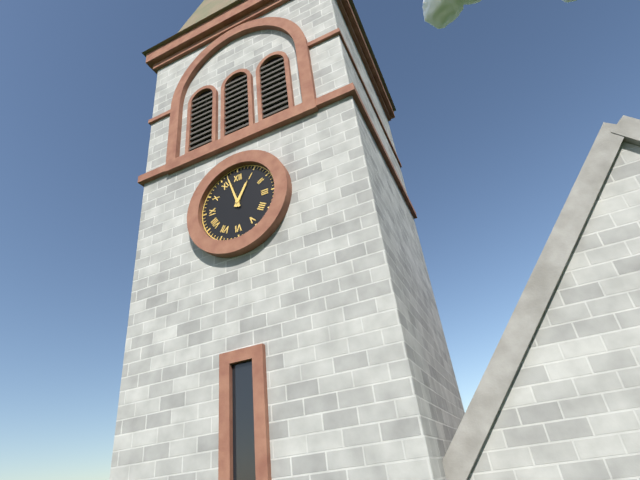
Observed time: 12:57
